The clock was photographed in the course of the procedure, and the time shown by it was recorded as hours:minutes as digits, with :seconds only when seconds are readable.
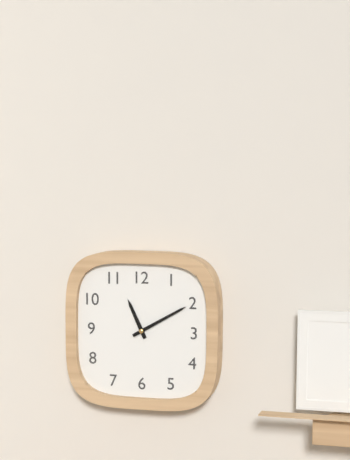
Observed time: 11:10
